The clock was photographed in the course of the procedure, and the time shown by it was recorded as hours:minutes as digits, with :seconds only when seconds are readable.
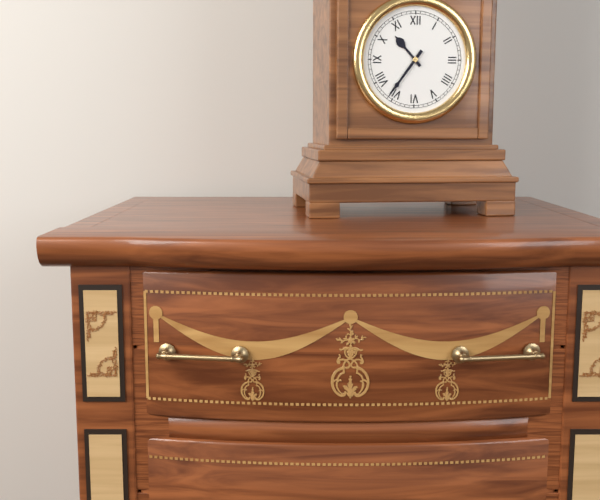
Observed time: 10:36
